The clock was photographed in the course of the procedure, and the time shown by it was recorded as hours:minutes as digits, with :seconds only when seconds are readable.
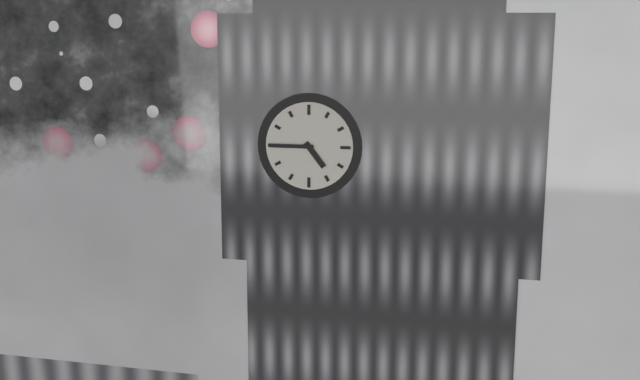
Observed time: 4:45
